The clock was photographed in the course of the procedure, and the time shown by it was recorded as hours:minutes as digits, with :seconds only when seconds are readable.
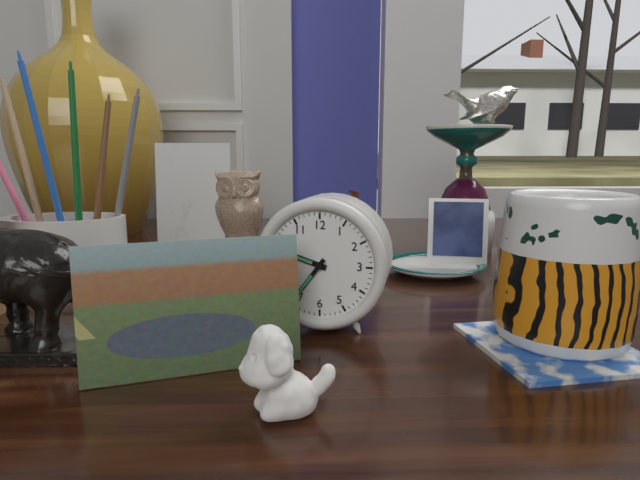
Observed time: 9:36
